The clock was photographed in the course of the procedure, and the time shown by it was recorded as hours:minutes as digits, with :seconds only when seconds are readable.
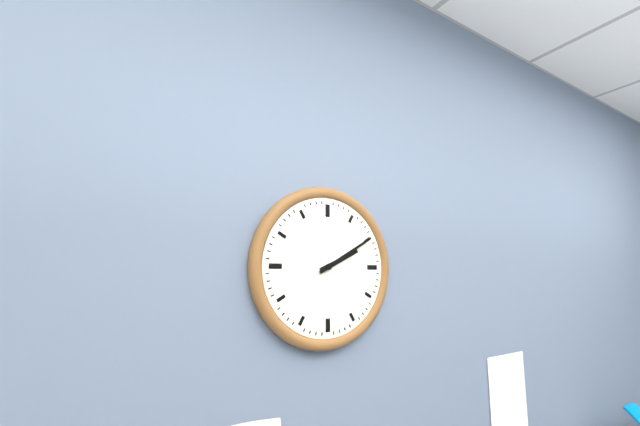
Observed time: 2:10
